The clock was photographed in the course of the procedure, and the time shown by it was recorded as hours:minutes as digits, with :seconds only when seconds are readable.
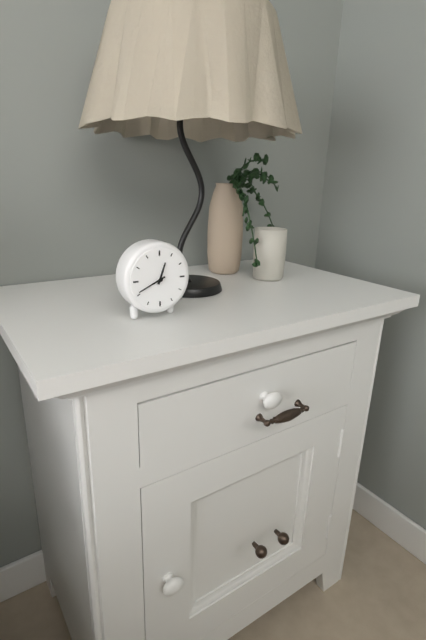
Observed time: 12:41
